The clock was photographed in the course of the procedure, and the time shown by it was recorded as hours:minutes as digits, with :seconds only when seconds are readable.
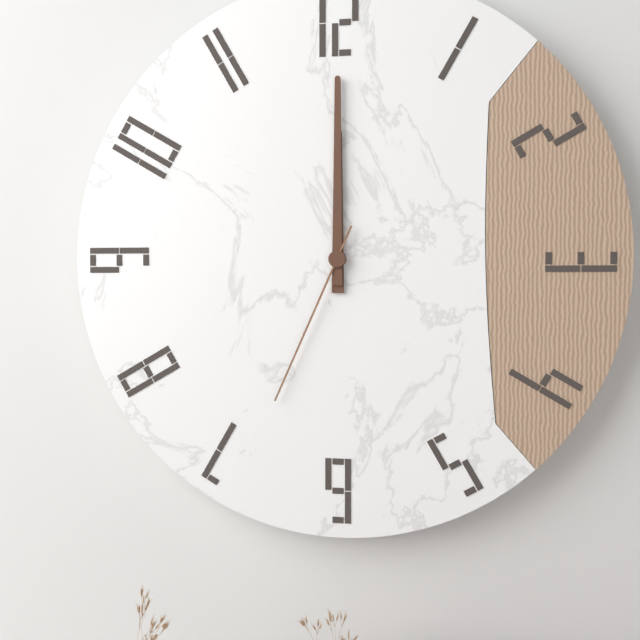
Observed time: 12:00:34
